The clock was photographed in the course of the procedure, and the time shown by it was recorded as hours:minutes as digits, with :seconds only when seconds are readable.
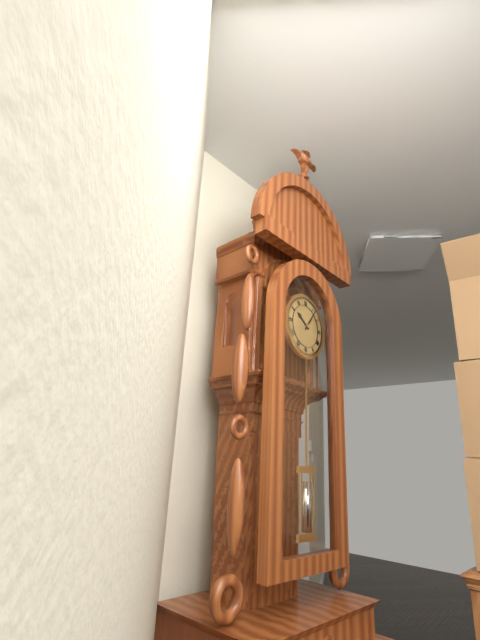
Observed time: 10:06
